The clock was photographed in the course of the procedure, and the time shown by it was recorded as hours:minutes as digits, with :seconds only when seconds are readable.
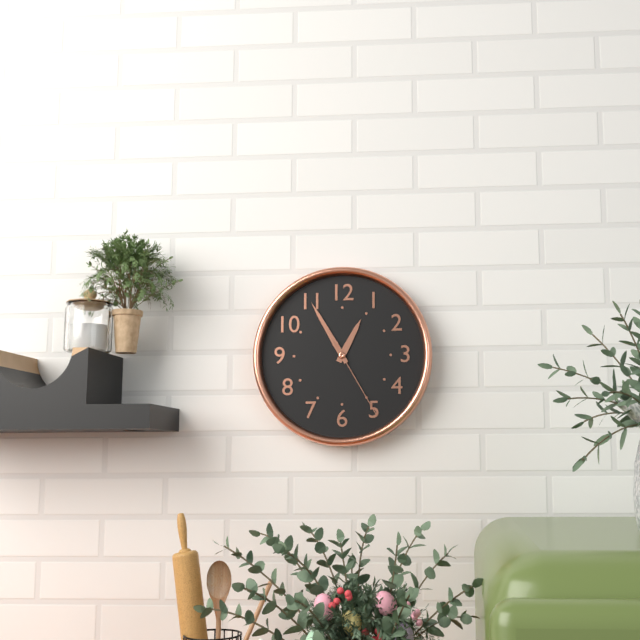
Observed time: 12:55:25
